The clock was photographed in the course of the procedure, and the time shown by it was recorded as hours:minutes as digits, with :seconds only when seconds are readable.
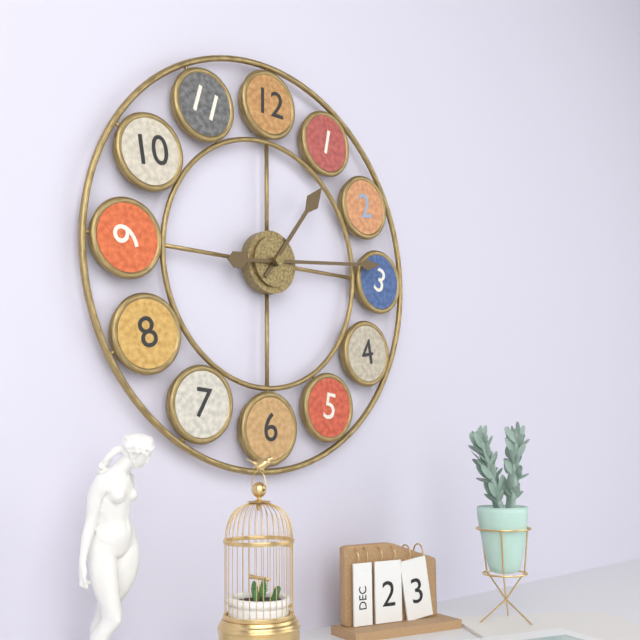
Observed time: 1:14
